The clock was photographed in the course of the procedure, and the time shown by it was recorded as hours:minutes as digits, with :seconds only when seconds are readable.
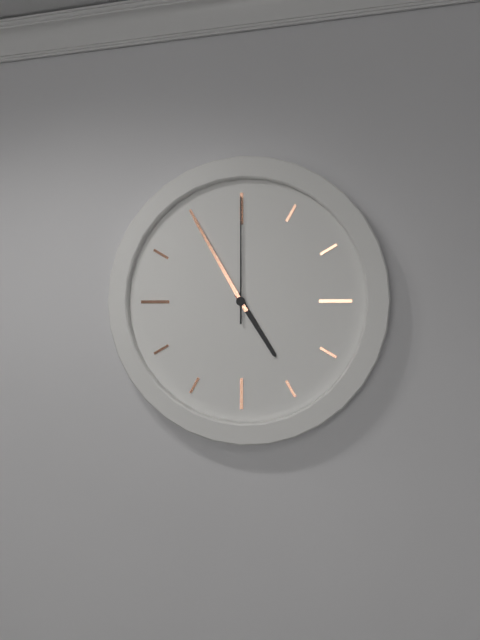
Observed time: 4:55:00
